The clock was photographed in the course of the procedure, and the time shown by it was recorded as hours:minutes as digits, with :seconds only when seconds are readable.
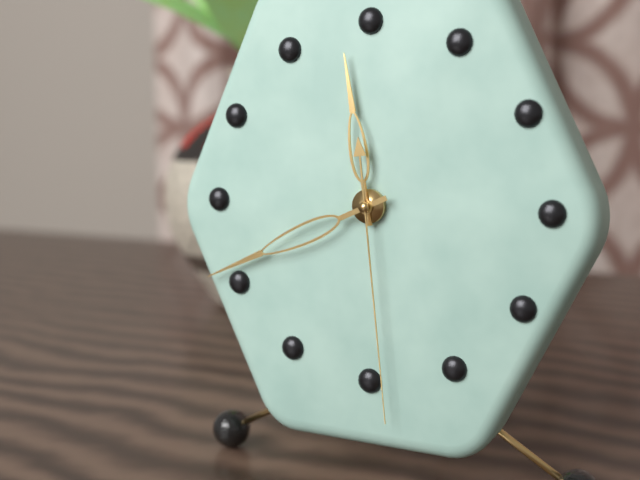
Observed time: 11:41:29
